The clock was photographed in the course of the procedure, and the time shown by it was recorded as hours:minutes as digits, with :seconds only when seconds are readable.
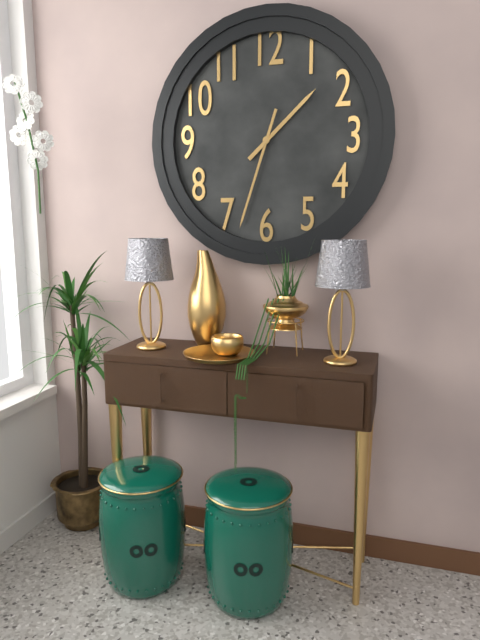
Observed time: 1:33
